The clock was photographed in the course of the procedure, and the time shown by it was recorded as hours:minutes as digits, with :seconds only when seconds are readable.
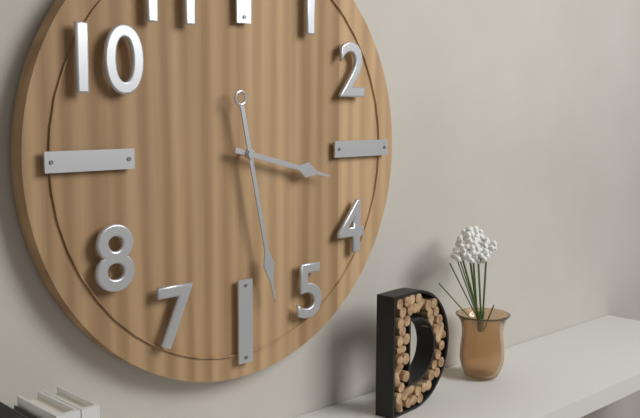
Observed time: 3:28
